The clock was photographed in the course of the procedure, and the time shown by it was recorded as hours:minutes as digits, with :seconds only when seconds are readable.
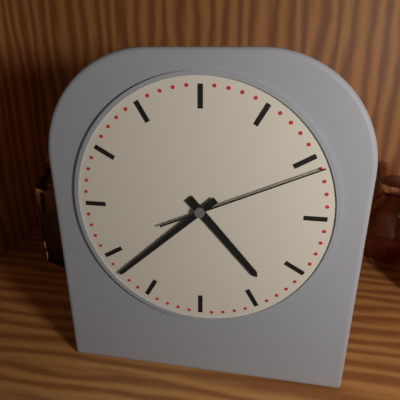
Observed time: 4:38:11
